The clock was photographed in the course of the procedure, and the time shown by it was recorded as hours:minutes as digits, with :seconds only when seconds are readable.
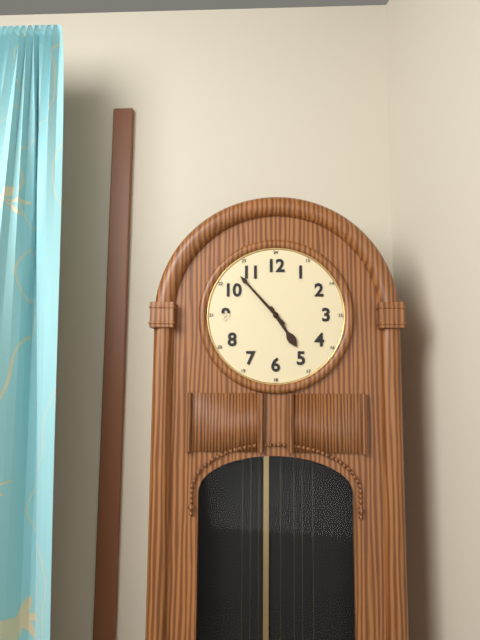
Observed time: 4:53
